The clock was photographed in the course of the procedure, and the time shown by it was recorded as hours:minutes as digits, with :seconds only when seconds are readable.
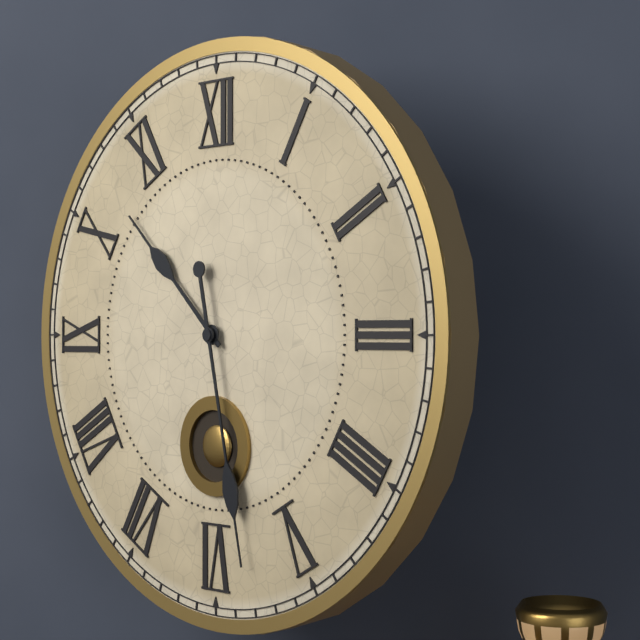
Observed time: 10:28
